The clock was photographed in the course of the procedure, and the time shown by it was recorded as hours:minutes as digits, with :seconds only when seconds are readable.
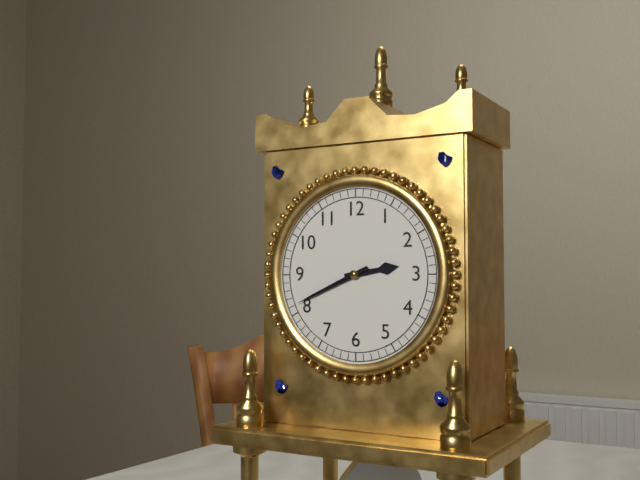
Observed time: 2:41
